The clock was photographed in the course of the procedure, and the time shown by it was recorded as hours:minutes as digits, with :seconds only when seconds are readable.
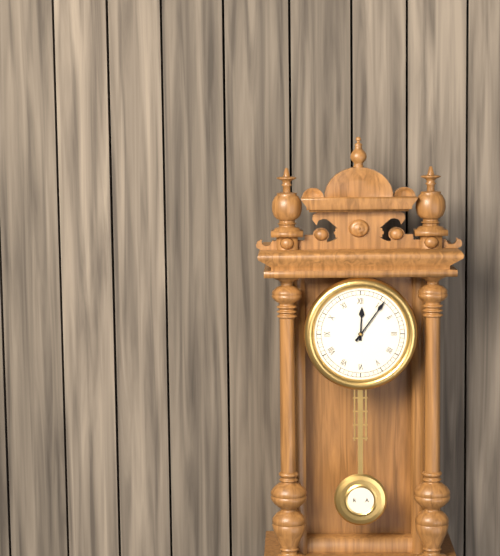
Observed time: 12:06
